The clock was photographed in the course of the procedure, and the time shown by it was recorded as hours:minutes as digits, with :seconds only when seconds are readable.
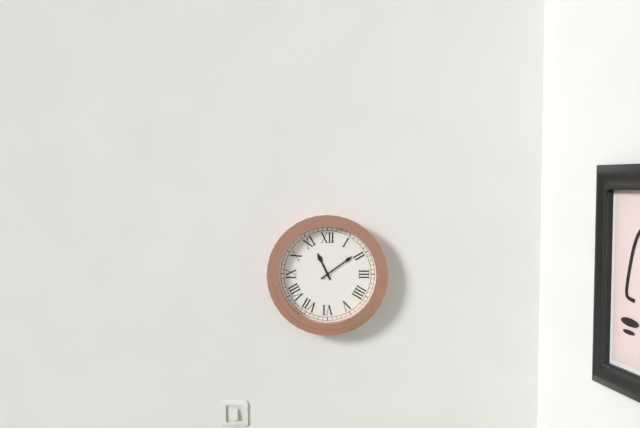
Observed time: 11:09
